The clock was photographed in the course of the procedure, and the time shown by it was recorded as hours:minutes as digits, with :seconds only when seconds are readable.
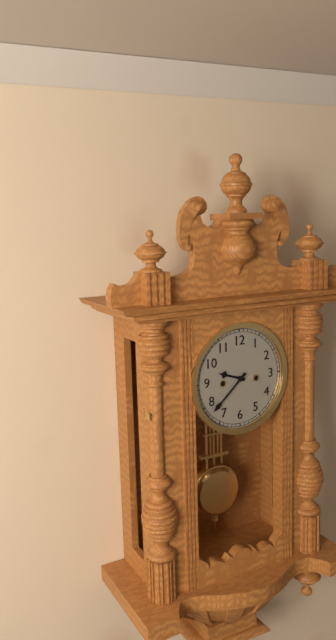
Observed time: 9:38
